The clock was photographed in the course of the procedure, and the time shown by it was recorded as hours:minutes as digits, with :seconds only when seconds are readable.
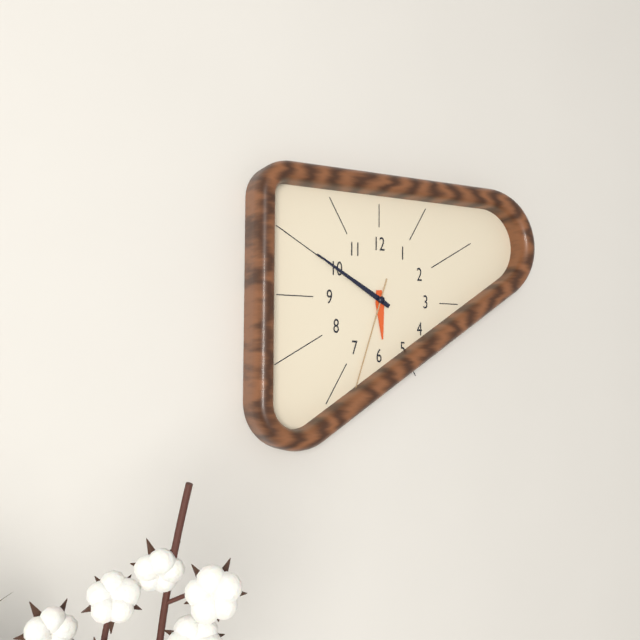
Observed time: 5:50:33
